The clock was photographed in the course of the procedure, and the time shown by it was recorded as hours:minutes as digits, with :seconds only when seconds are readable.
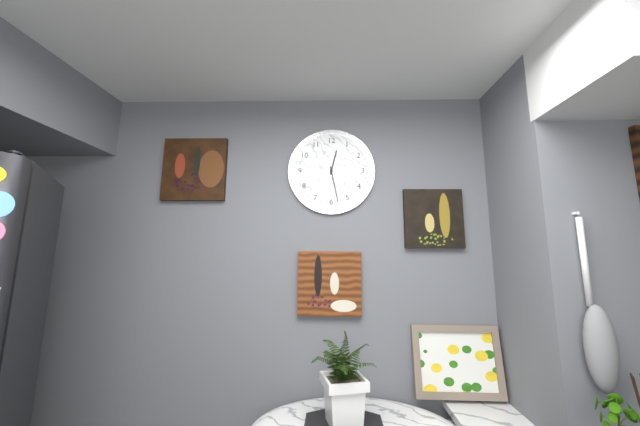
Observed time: 12:28
